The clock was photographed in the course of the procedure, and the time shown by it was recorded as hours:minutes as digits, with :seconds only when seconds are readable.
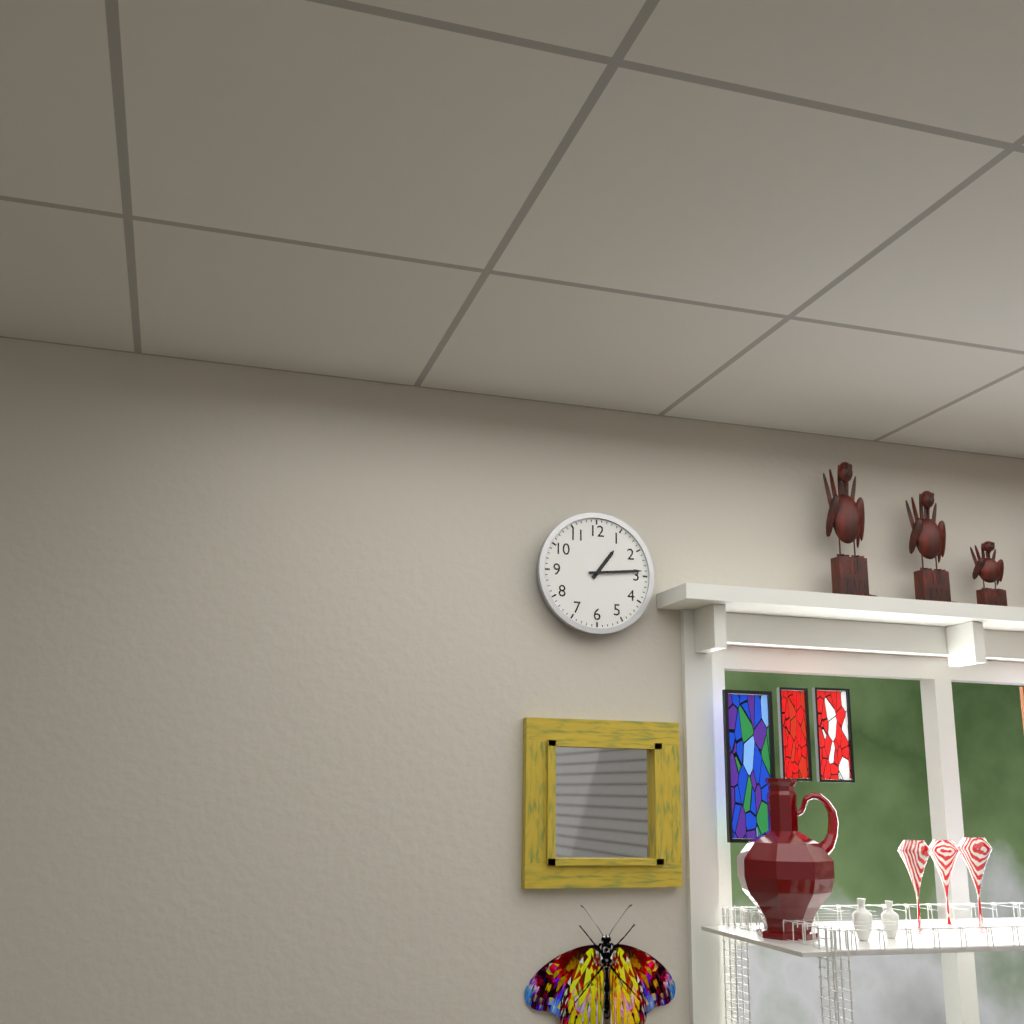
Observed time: 1:14
